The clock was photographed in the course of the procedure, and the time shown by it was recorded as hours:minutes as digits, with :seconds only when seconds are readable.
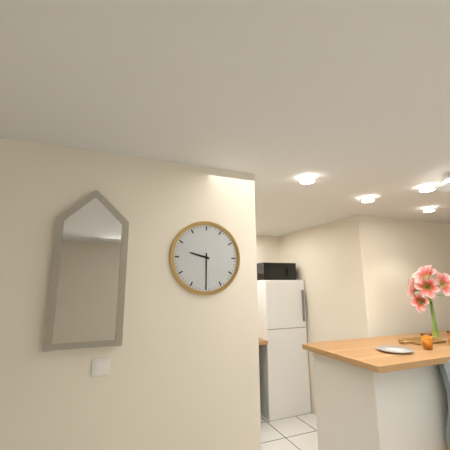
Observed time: 9:30
